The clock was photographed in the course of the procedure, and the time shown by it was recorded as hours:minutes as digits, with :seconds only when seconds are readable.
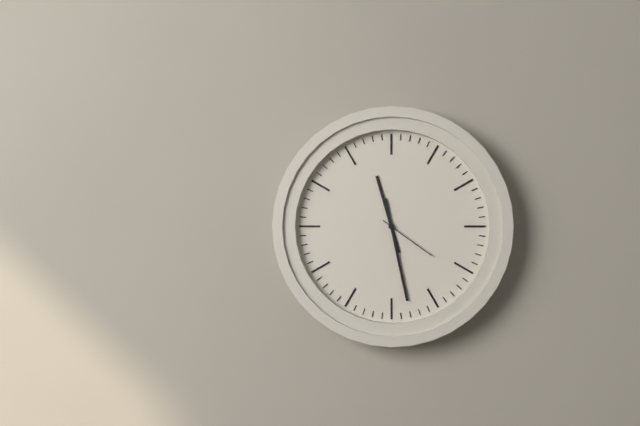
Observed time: 11:28:21
